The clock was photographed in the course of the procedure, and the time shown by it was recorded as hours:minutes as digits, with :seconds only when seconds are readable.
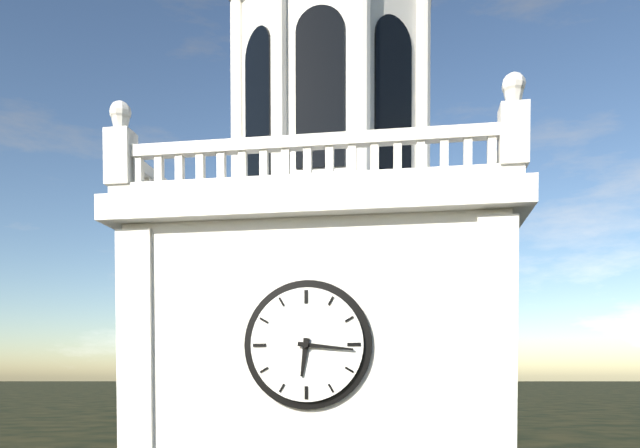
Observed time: 6:16
